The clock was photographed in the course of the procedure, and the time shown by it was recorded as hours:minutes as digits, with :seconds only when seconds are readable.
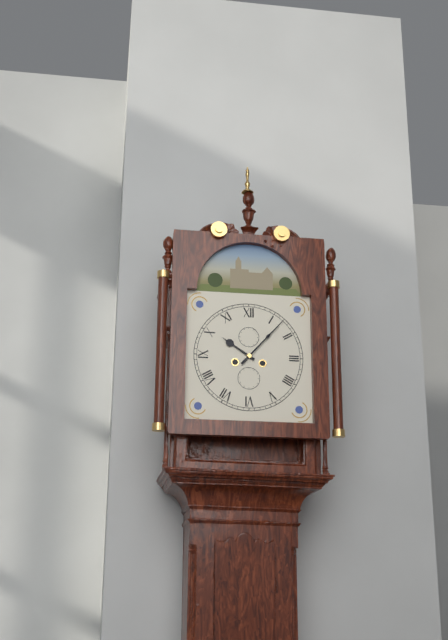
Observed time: 10:07
